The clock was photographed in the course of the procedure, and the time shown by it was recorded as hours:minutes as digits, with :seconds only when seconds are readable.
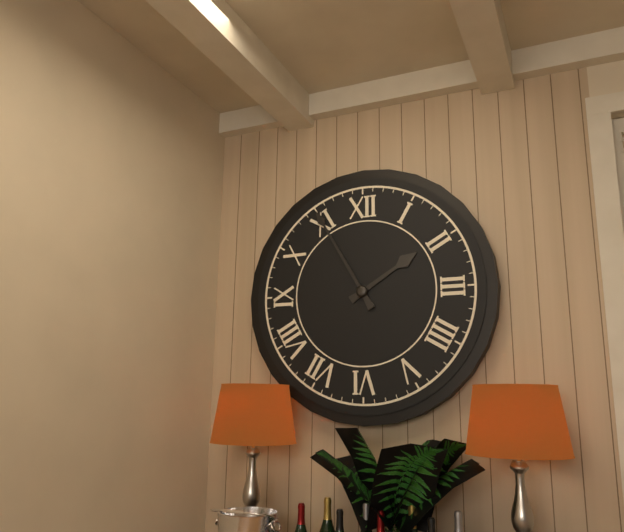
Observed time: 1:55
